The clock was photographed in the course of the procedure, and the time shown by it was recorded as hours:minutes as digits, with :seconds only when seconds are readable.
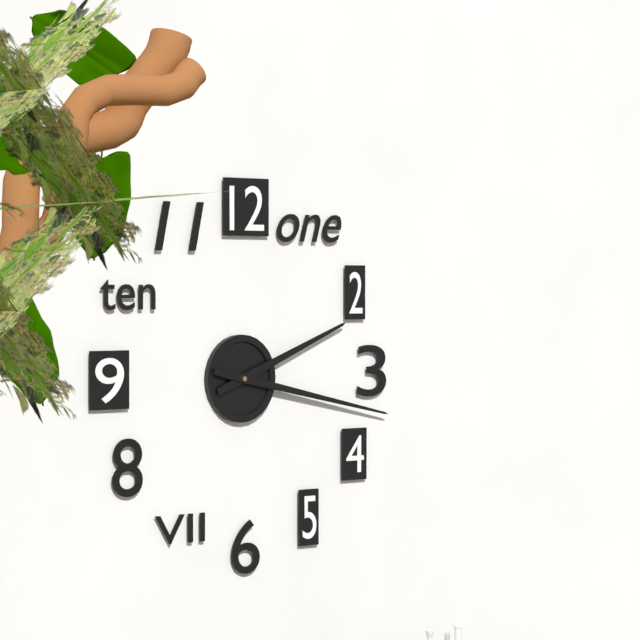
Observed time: 2:17
